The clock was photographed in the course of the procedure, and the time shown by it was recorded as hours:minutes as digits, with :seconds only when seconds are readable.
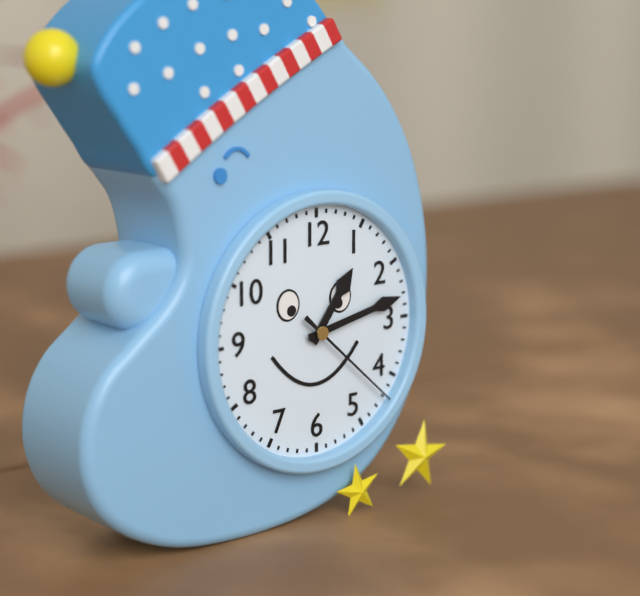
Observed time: 1:13:22
